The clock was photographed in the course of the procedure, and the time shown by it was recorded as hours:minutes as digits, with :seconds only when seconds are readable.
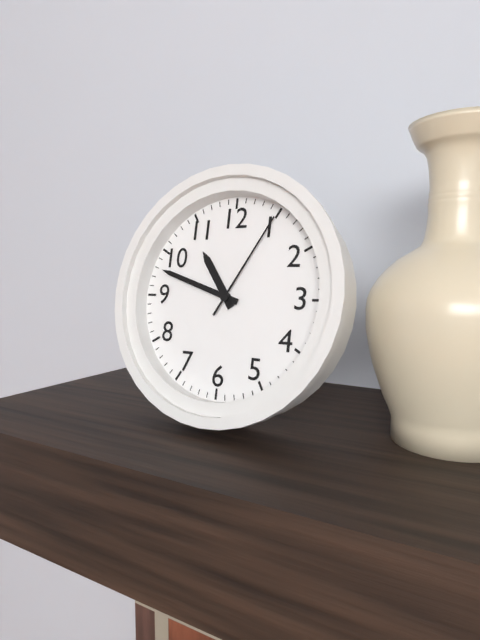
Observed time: 10:48:05
